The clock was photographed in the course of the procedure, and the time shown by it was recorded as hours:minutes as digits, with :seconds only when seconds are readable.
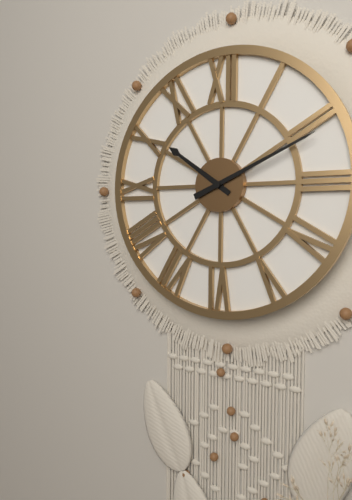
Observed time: 10:11
